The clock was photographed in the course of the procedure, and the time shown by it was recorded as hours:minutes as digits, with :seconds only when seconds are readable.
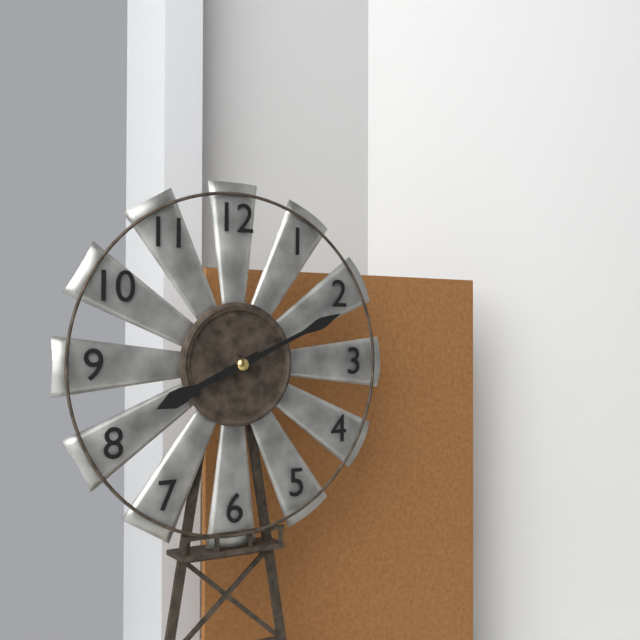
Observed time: 8:11
